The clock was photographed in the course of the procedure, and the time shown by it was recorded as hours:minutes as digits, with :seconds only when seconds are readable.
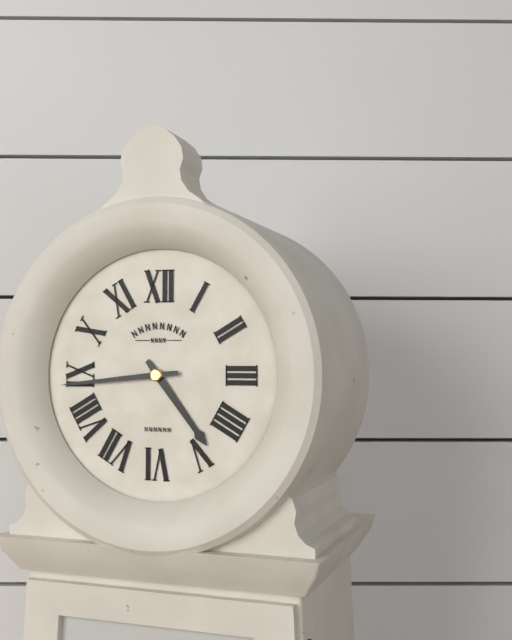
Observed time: 4:44
